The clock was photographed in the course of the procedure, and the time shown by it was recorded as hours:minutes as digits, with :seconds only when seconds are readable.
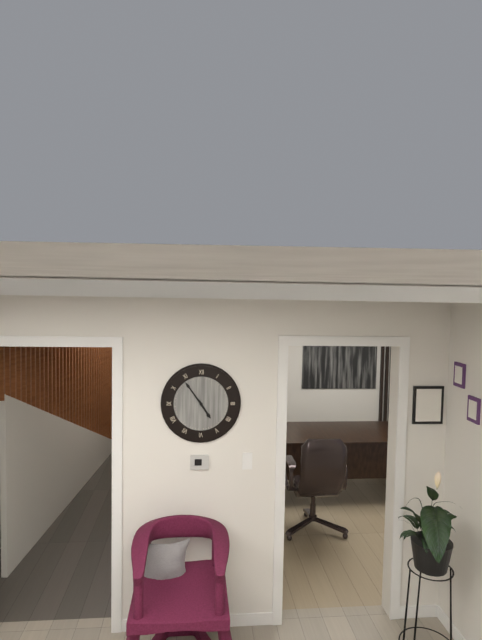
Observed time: 4:54
